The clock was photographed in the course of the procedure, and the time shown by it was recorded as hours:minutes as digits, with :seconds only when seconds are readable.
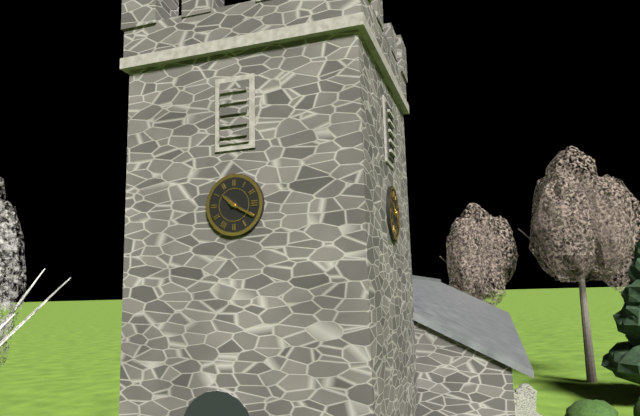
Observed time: 10:20
